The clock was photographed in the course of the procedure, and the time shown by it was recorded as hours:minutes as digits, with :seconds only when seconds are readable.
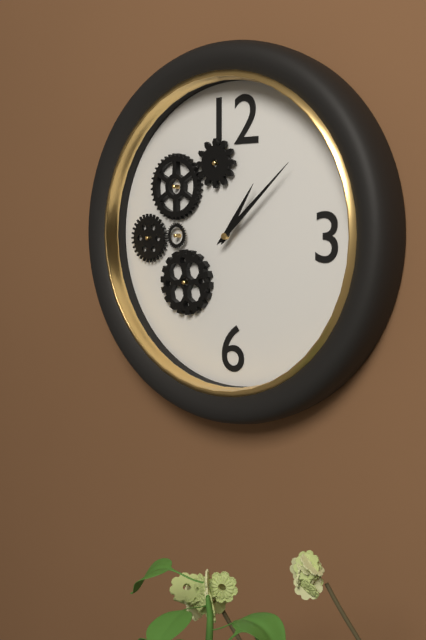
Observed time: 1:08
